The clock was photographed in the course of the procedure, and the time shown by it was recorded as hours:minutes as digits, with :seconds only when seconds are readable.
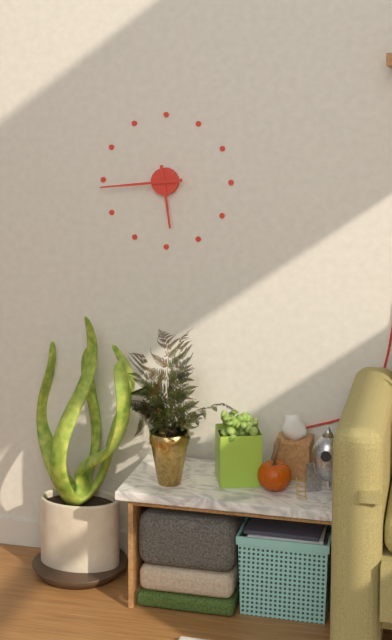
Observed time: 5:44
